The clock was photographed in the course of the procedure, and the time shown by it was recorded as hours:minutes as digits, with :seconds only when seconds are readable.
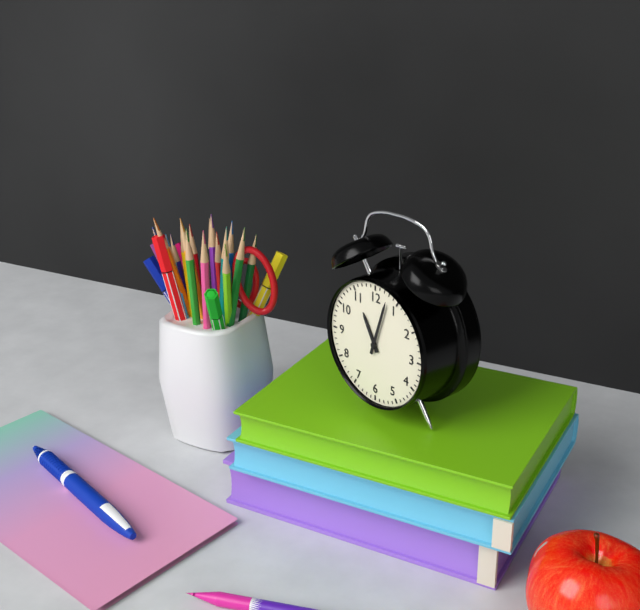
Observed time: 11:03
